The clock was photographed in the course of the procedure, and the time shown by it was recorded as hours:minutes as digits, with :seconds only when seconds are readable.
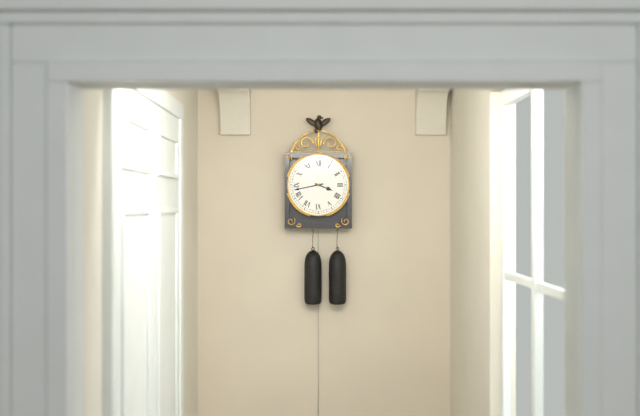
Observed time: 3:43
